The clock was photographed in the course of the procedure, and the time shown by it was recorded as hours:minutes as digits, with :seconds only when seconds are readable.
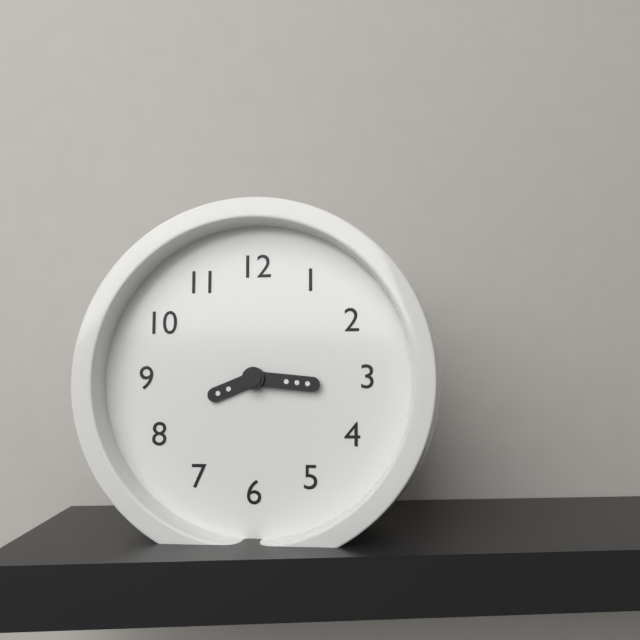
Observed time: 8:16
